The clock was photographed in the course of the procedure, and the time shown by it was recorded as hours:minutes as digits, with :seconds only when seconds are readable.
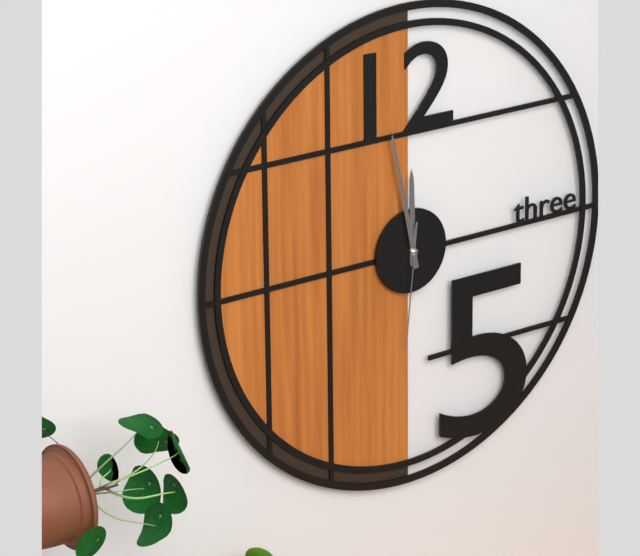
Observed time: 11:58:31
